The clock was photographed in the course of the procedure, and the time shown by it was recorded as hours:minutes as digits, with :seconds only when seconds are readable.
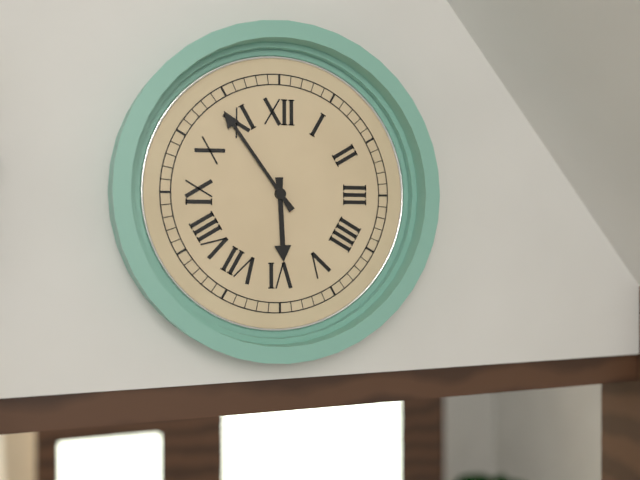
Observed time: 5:54
